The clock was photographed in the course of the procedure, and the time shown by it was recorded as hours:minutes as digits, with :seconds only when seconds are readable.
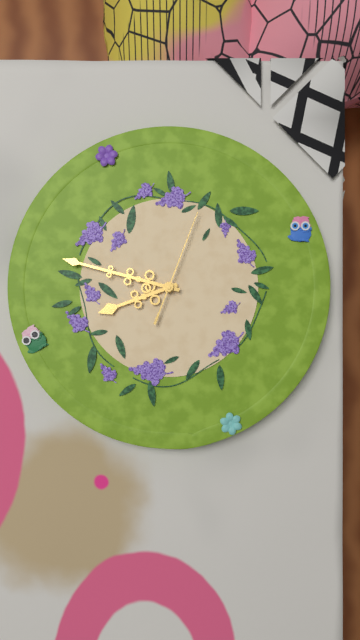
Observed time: 8:50:06
